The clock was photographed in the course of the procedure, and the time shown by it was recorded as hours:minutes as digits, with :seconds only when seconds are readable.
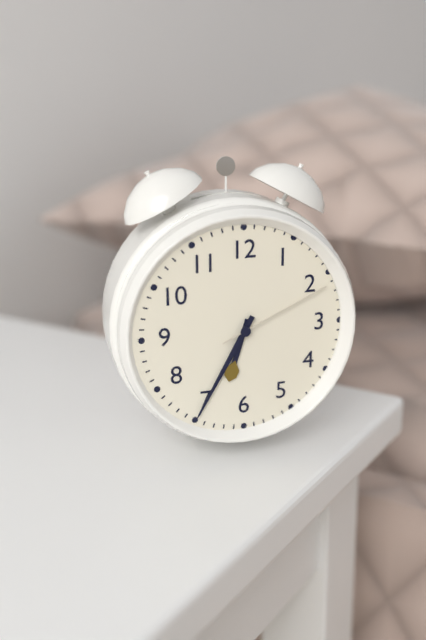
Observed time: 6:35:11
